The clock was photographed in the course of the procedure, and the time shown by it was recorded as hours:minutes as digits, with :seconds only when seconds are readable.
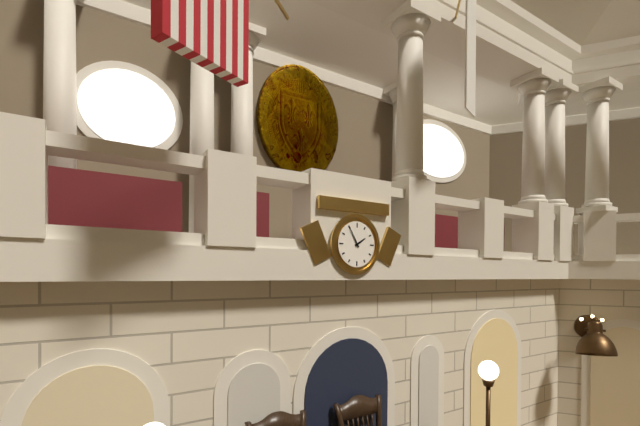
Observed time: 1:55
